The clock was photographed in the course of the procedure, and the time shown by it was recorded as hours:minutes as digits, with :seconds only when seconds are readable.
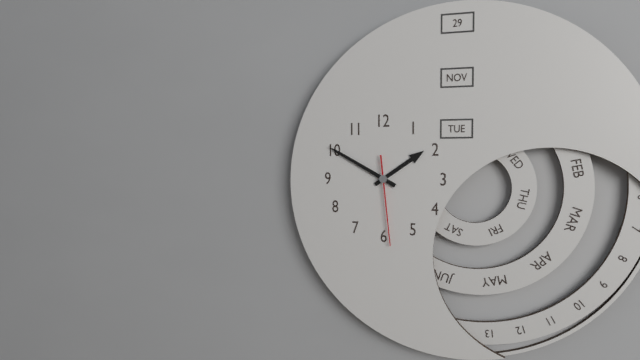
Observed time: 1:50:29
